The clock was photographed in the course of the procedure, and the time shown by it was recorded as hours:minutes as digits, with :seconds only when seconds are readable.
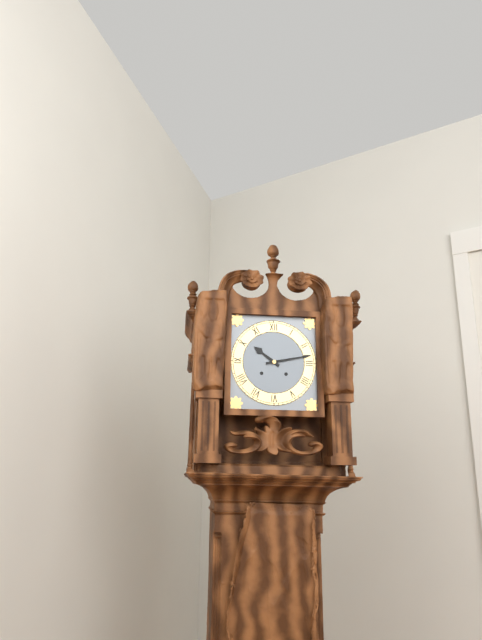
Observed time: 10:13
